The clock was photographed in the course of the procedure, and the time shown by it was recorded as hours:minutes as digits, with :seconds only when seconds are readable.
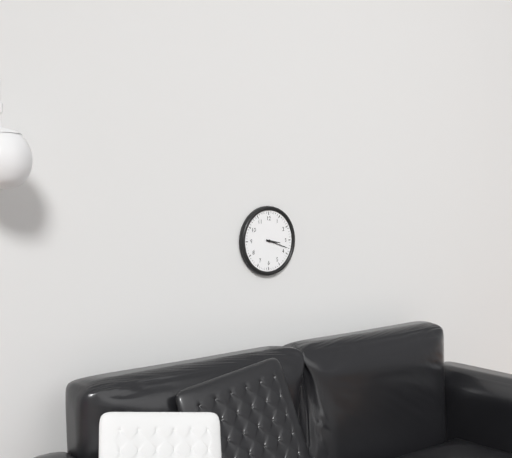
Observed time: 3:18
